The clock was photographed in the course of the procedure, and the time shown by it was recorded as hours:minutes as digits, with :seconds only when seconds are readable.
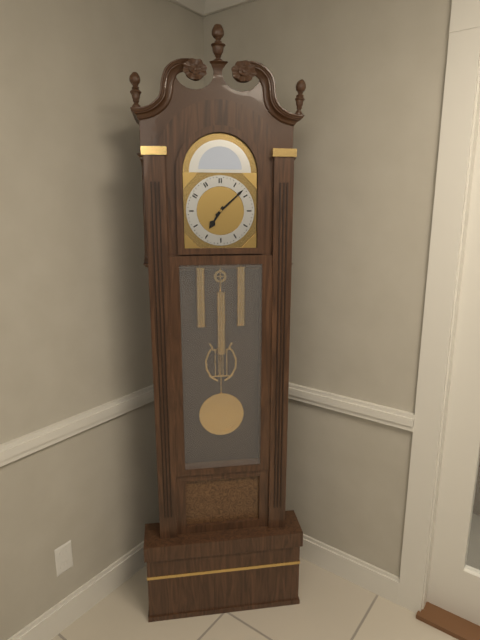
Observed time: 7:08
